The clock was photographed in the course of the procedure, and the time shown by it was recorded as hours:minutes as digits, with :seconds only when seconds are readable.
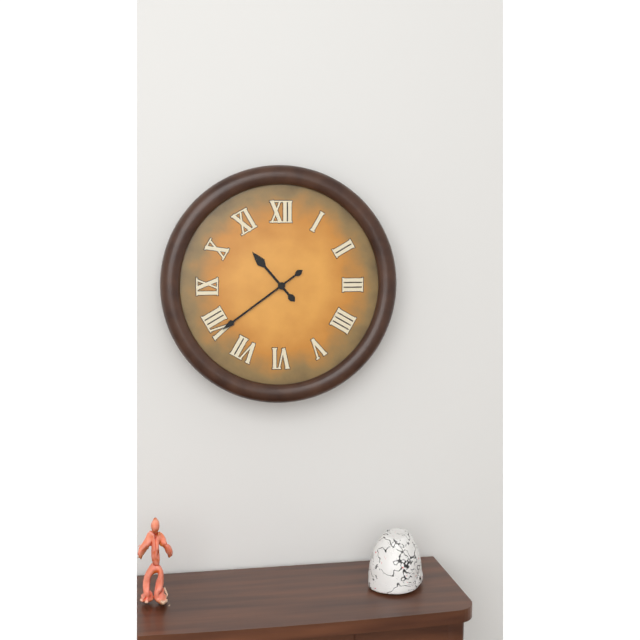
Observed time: 10:39
